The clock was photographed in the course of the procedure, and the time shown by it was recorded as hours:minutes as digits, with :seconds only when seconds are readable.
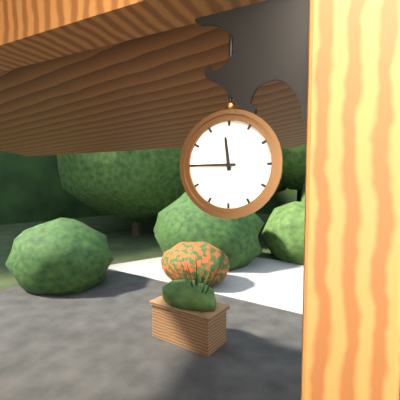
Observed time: 11:45
